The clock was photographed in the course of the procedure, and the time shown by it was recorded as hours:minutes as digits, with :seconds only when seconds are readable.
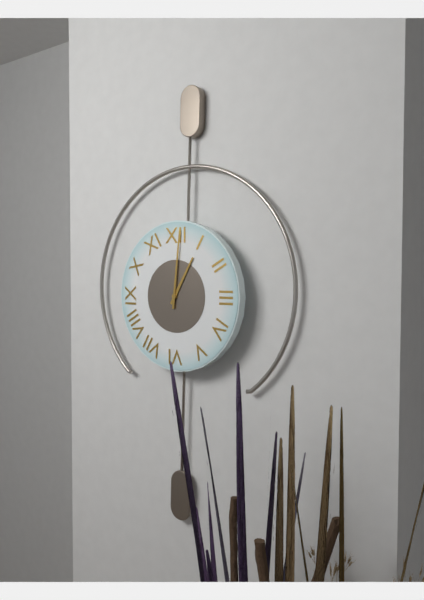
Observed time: 1:01
